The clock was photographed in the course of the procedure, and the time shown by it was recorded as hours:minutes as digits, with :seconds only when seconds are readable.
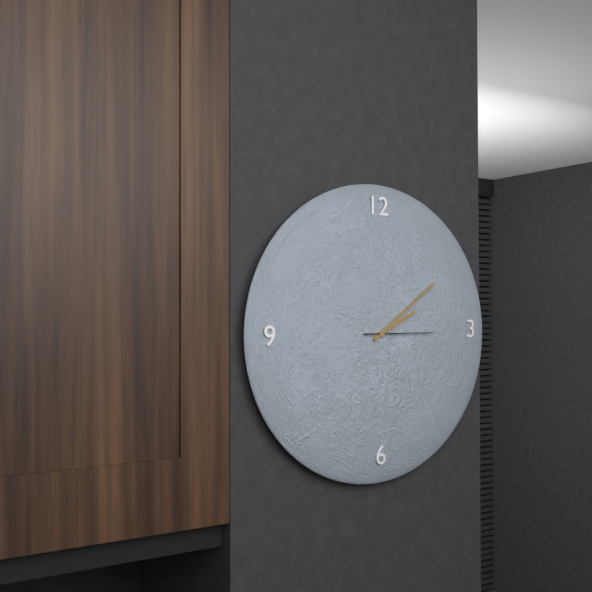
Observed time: 2:09:15
